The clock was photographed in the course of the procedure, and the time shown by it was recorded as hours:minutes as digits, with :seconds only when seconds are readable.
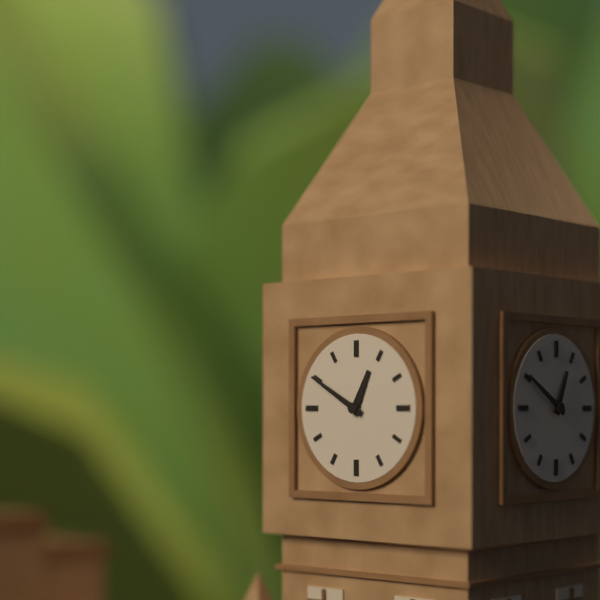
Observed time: 12:50
